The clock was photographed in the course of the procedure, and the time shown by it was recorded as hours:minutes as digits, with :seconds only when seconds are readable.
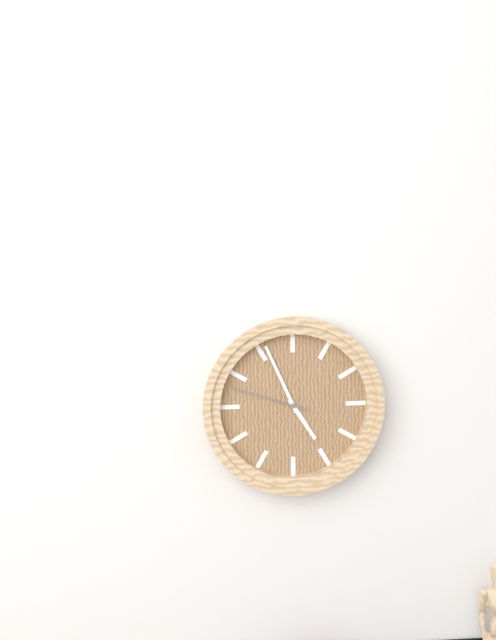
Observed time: 4:56:48
